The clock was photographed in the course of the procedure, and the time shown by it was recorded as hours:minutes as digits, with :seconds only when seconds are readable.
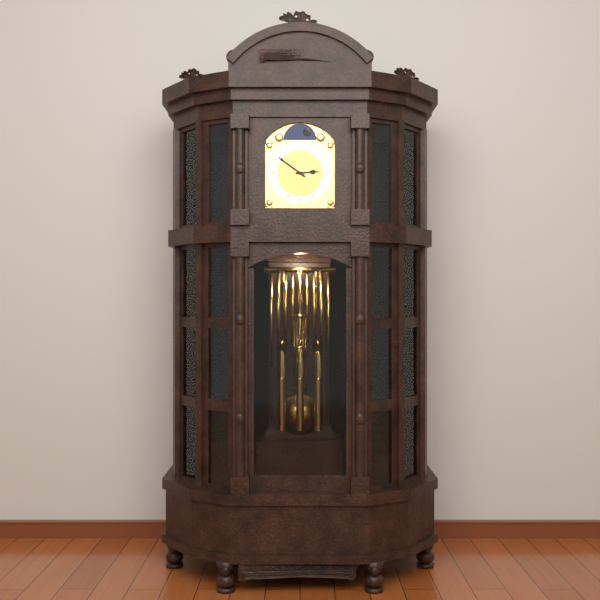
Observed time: 2:51
